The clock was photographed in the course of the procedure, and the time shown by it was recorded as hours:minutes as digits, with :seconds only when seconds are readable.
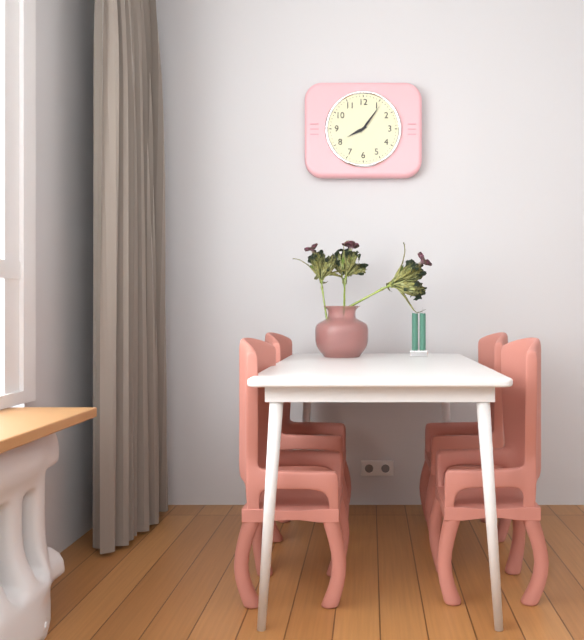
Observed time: 8:06
